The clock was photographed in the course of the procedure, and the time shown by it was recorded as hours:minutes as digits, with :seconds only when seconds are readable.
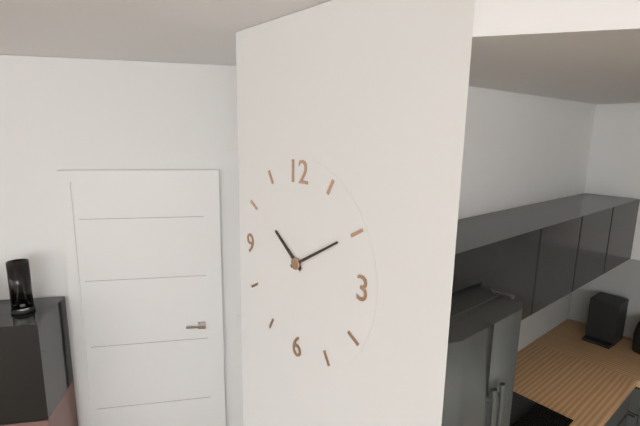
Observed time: 10:10
